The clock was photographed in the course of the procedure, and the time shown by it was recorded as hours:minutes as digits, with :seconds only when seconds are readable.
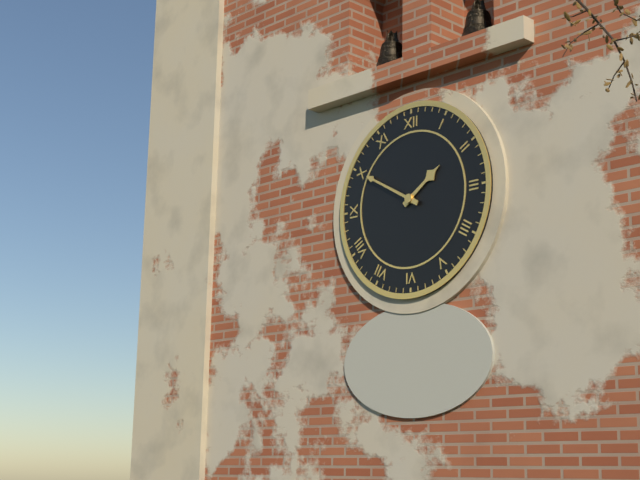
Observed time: 1:50
